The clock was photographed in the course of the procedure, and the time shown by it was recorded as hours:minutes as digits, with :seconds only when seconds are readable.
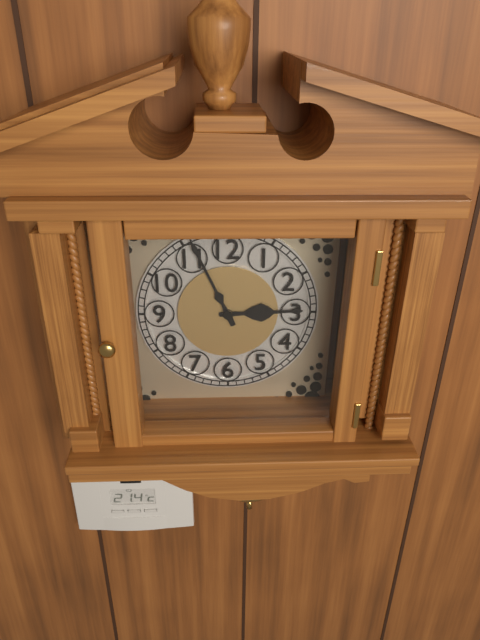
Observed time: 2:56
